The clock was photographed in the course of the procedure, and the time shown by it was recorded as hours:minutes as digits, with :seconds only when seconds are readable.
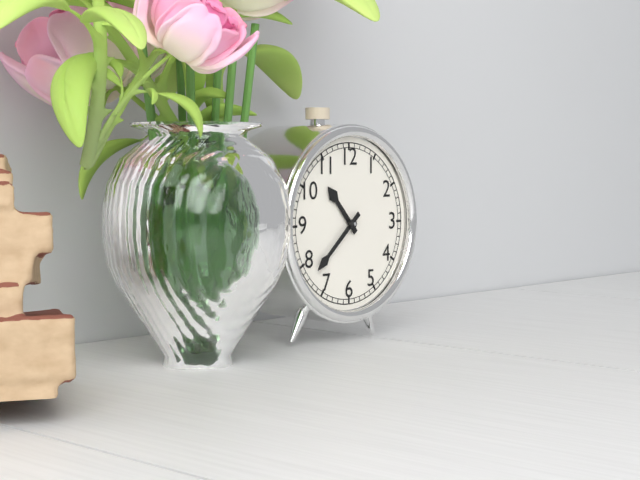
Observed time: 10:38
